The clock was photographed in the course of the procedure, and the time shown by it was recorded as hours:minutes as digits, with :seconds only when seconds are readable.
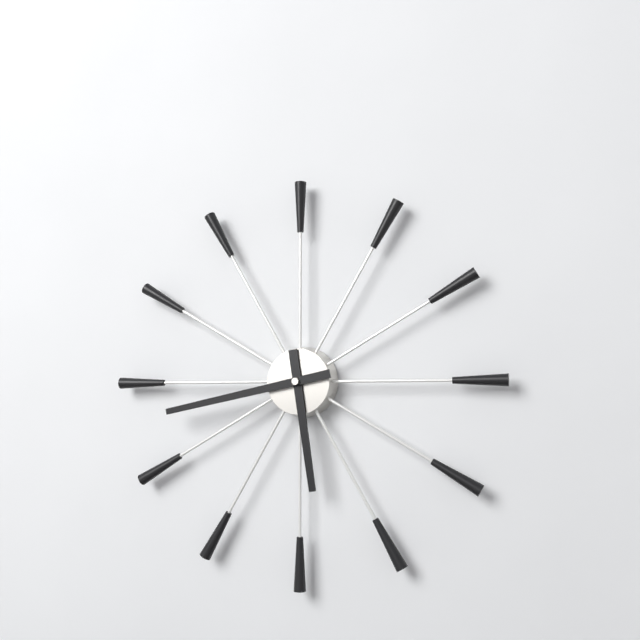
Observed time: 5:43
